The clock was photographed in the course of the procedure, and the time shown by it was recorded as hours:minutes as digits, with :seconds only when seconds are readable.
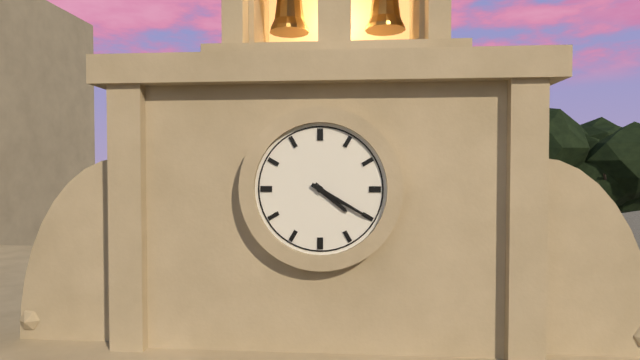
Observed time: 4:20
